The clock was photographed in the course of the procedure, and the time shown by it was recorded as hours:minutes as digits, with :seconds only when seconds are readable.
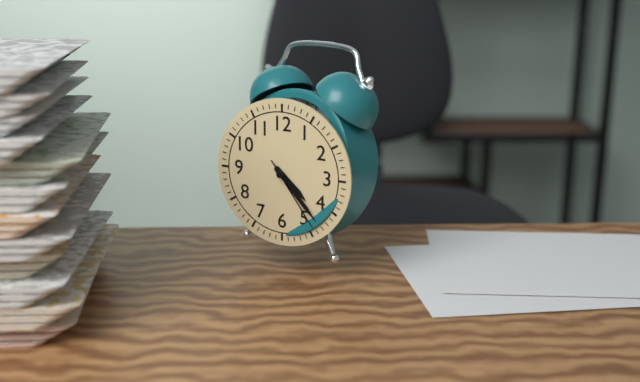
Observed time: 4:23:24
